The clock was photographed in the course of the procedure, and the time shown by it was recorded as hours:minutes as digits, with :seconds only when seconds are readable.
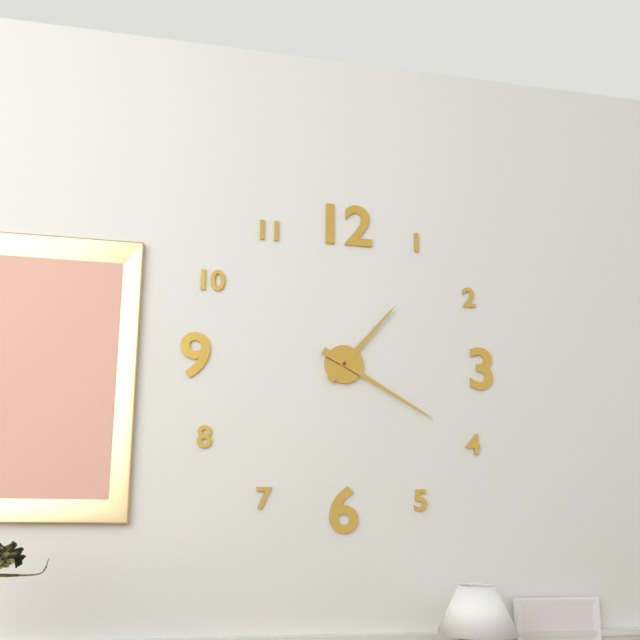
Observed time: 1:20
